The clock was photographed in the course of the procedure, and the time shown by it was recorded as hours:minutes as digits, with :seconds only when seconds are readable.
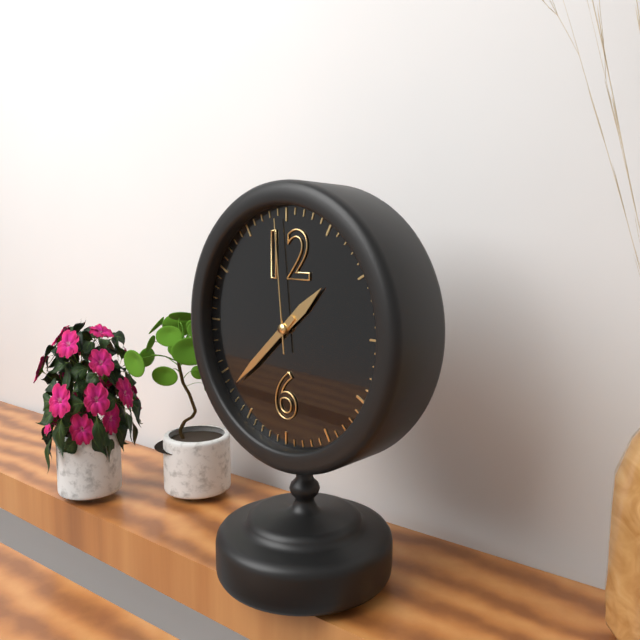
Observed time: 1:38:59
